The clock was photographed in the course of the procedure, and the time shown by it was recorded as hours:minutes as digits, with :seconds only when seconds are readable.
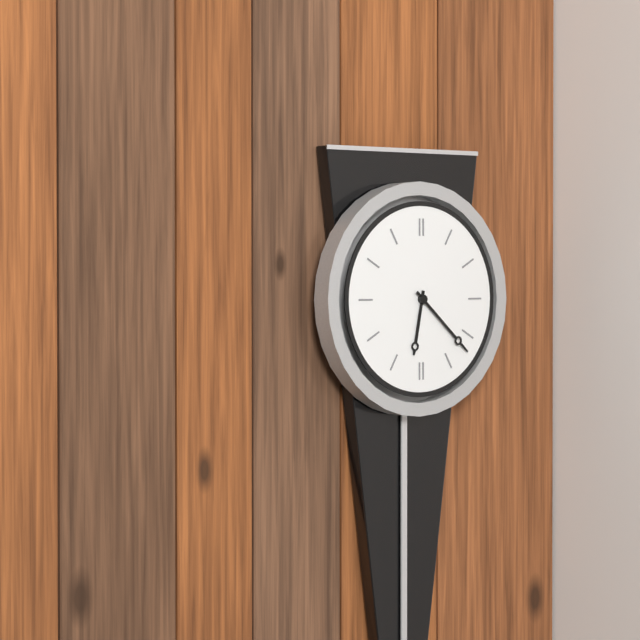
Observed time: 6:22
